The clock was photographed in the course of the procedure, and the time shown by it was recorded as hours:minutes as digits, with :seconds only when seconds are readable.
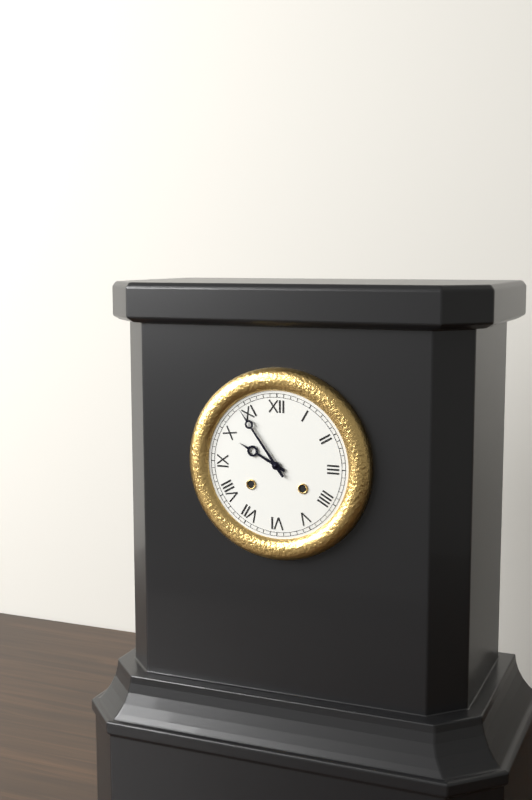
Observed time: 9:54
